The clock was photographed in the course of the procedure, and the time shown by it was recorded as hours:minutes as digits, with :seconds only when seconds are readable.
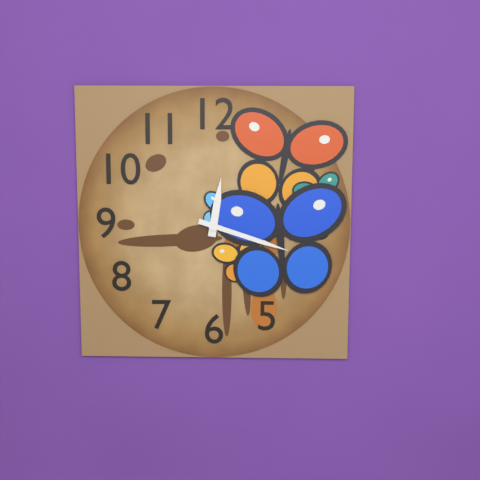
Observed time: 12:18
